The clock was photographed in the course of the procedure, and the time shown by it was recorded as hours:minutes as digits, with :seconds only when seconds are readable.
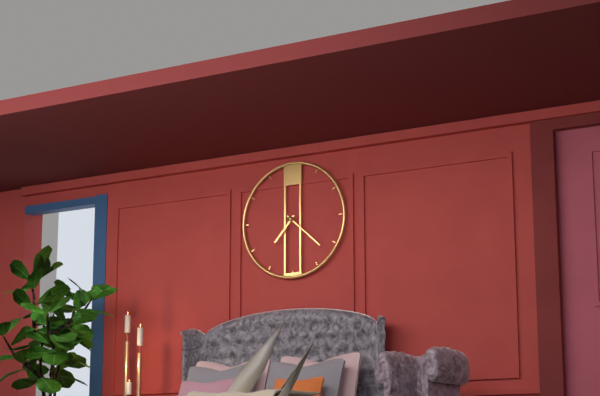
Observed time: 7:22
